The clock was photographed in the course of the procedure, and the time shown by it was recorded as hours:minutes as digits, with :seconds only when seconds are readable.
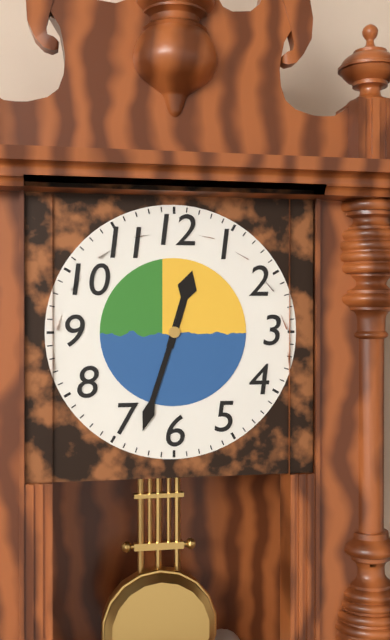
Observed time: 12:33
